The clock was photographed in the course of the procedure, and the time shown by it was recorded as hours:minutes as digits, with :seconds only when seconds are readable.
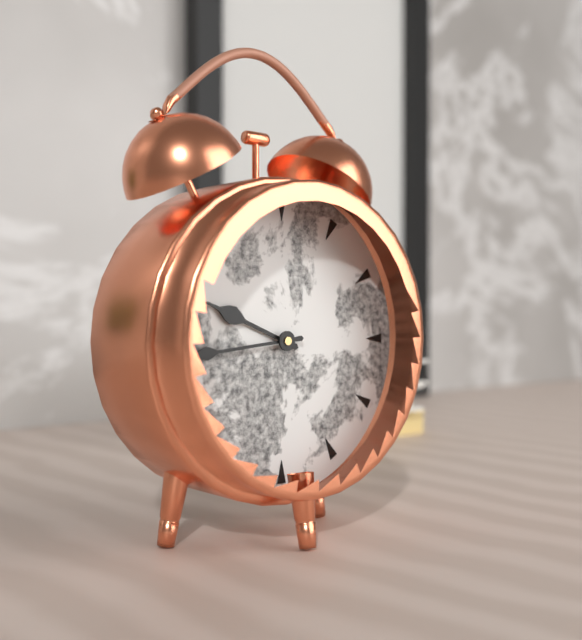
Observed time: 9:44
